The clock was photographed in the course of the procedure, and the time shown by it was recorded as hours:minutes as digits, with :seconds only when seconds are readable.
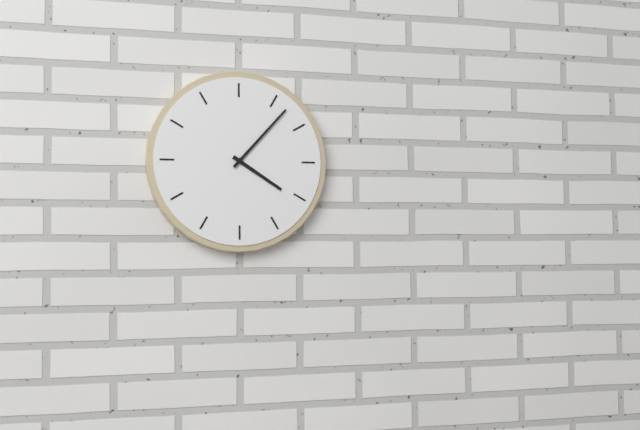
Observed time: 4:07
